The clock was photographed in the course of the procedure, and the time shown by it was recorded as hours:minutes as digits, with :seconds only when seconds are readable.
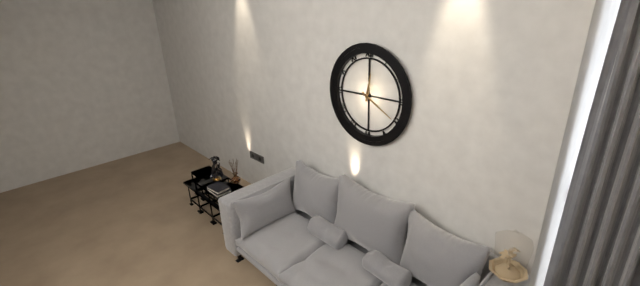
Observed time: 12:20
